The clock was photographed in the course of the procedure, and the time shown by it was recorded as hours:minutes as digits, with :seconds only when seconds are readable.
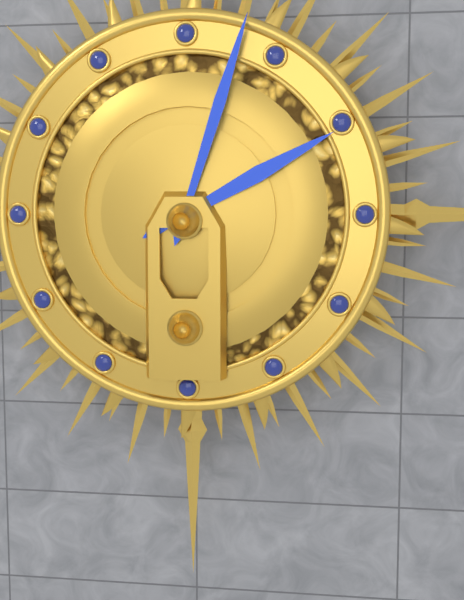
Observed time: 2:03
